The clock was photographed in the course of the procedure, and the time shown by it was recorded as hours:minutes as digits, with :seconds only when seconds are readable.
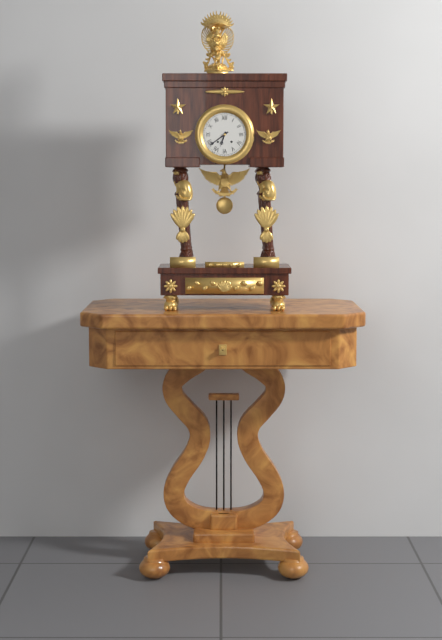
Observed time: 6:39
